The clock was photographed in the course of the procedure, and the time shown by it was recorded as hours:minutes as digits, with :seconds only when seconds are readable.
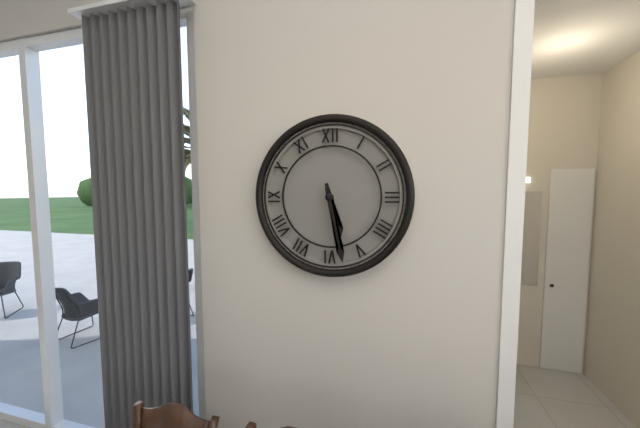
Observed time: 5:28
